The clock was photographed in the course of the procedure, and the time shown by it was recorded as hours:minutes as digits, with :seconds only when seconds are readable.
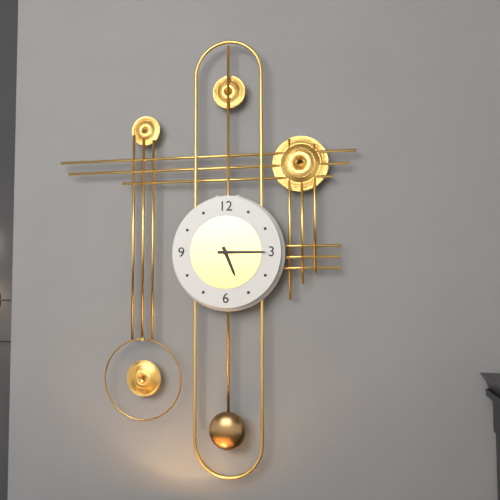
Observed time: 5:15
